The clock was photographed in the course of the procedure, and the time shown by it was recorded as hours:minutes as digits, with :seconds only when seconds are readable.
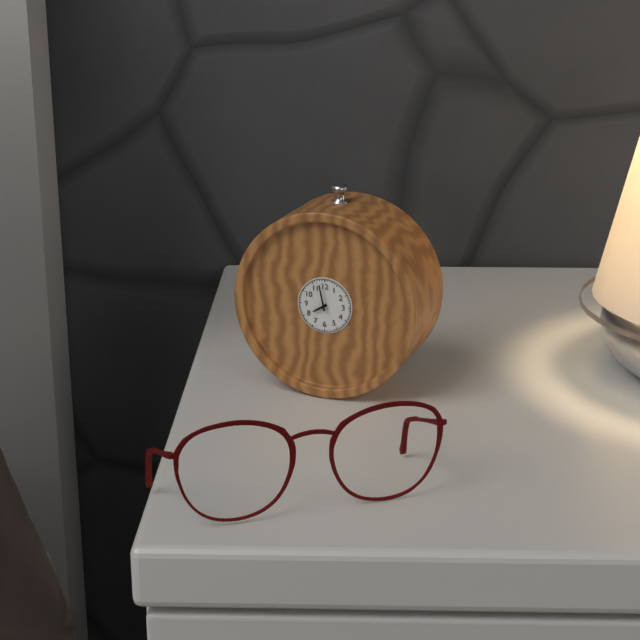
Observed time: 7:58
